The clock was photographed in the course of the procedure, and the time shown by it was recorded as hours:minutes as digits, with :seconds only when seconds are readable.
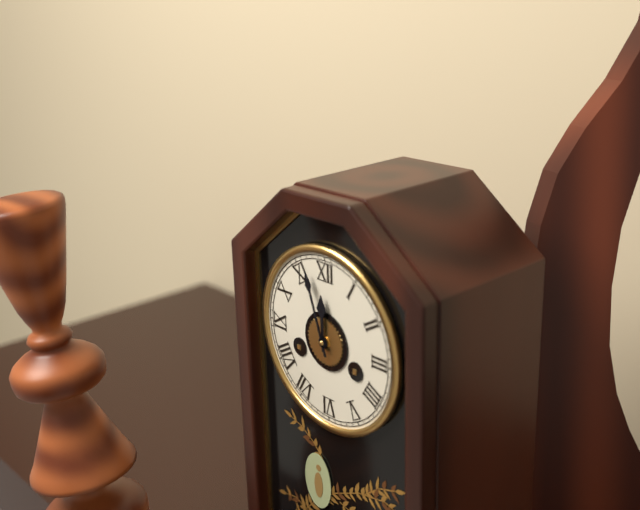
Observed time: 11:57
